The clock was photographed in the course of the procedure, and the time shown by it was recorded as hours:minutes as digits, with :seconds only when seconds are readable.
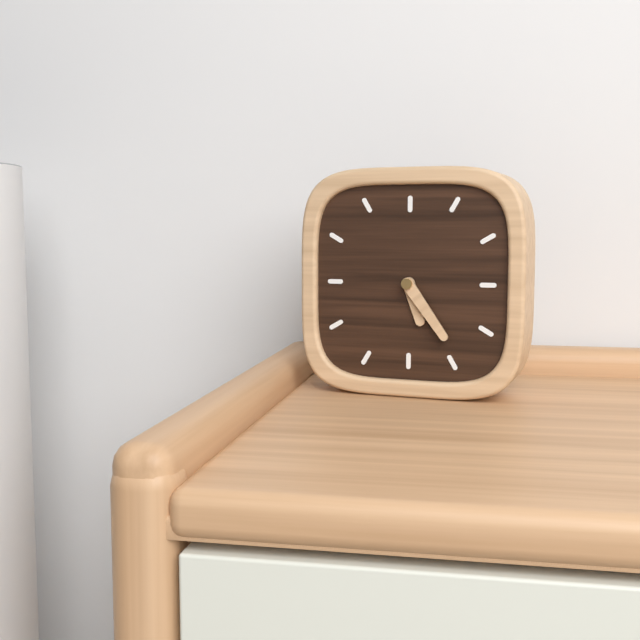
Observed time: 5:24
